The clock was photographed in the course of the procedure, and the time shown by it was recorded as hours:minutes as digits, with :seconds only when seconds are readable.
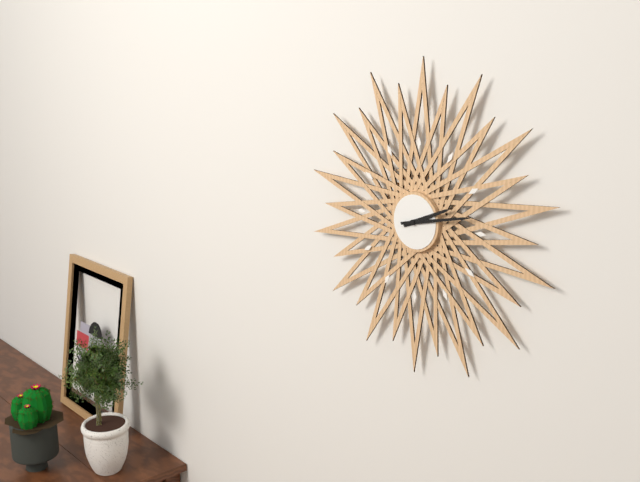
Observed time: 2:13
